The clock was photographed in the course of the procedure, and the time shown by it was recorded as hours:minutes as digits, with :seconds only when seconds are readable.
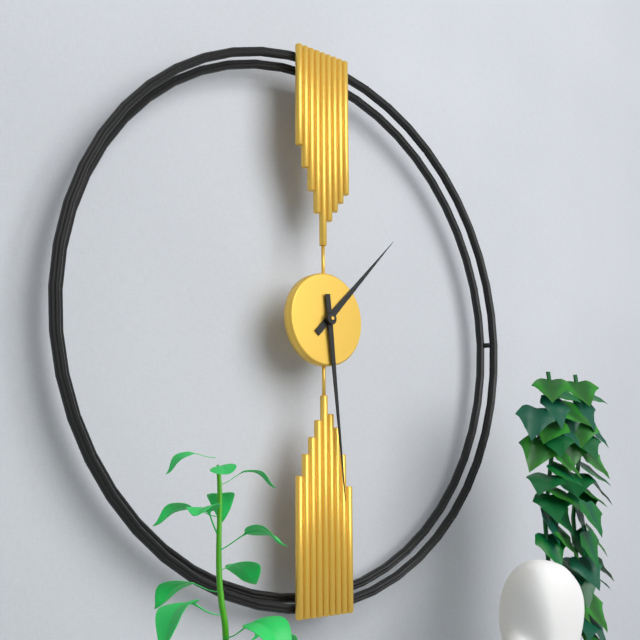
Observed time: 1:29
